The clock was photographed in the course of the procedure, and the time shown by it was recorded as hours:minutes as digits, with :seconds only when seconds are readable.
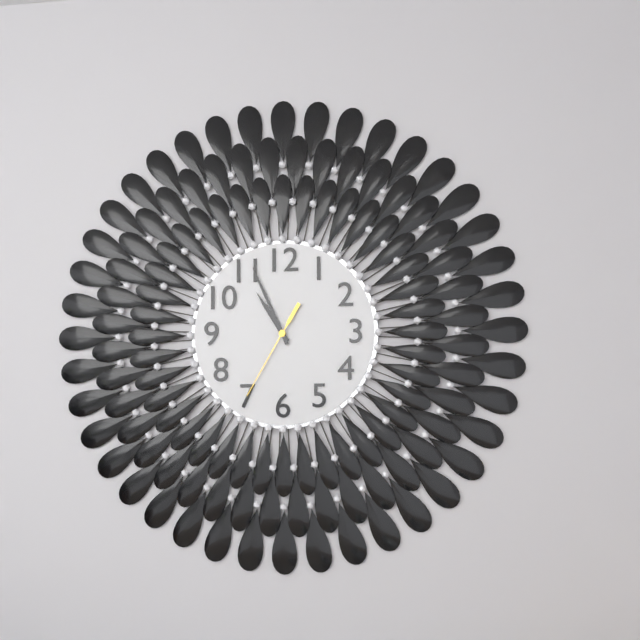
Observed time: 10:56:35
